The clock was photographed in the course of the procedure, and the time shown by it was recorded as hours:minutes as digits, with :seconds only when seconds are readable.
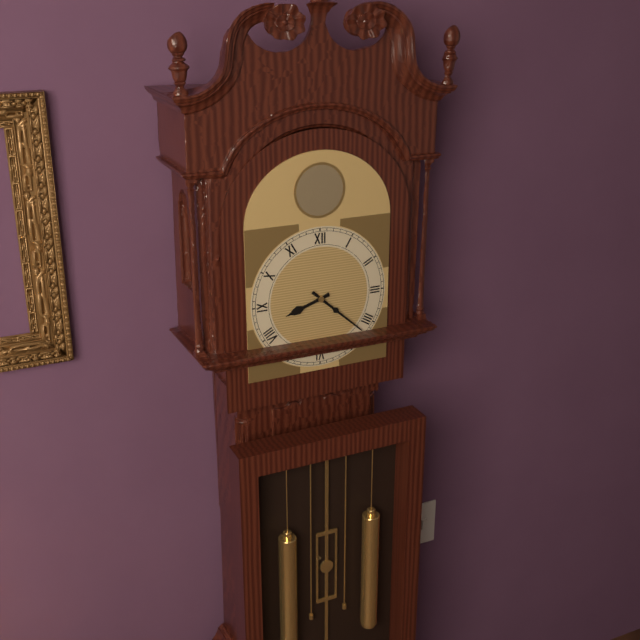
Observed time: 8:22
